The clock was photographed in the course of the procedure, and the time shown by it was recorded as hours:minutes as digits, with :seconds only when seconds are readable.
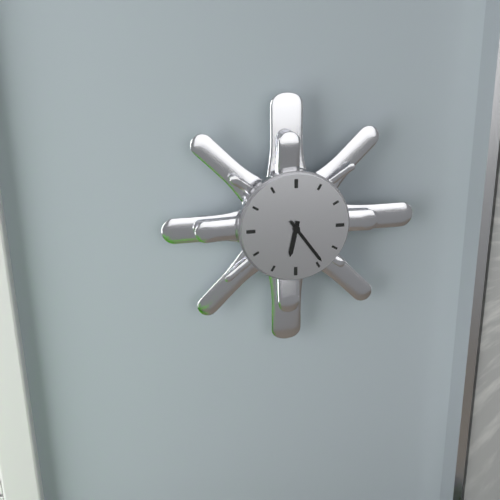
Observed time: 6:24
